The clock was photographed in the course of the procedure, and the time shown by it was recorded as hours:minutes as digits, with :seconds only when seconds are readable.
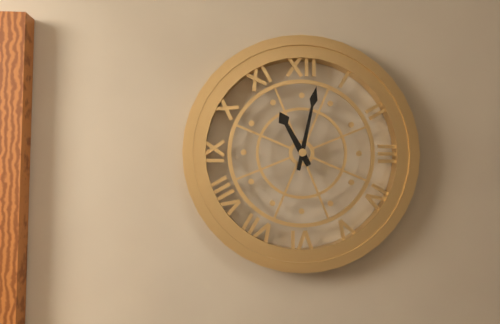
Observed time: 11:02
